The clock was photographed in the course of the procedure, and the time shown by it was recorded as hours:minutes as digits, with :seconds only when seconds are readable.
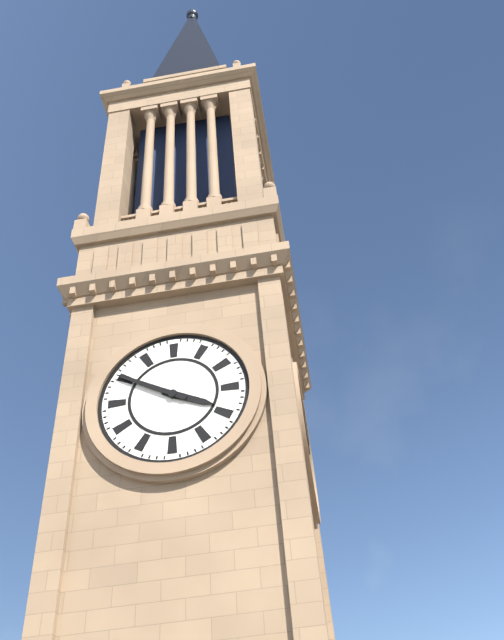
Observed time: 3:50
